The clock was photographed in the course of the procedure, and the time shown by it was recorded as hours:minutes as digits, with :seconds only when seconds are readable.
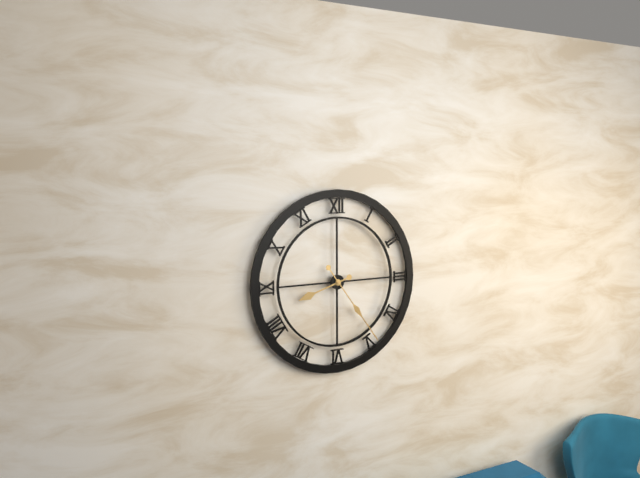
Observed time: 8:24
